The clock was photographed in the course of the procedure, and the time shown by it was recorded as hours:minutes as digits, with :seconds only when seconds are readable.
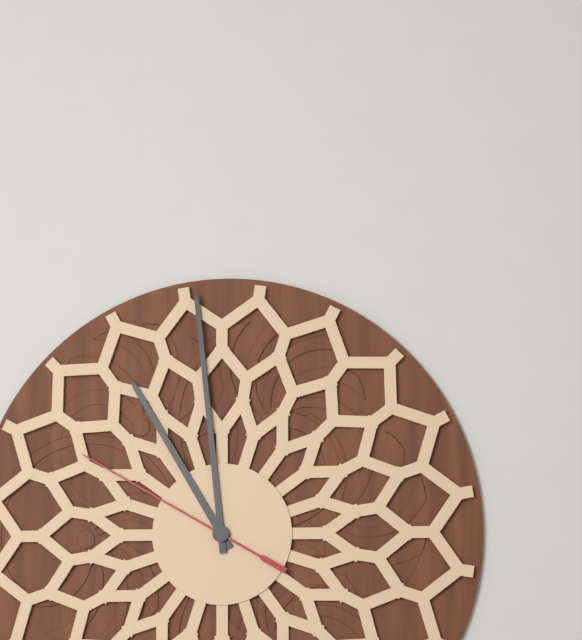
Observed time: 10:59:50
